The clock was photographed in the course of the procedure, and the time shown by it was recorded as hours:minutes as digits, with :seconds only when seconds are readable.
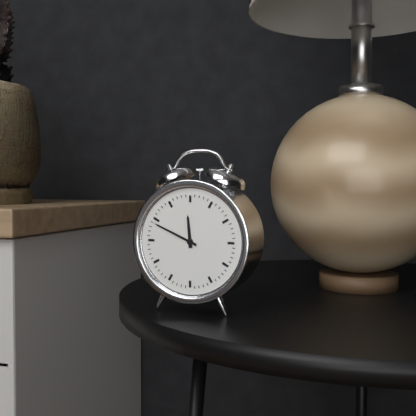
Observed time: 11:49
